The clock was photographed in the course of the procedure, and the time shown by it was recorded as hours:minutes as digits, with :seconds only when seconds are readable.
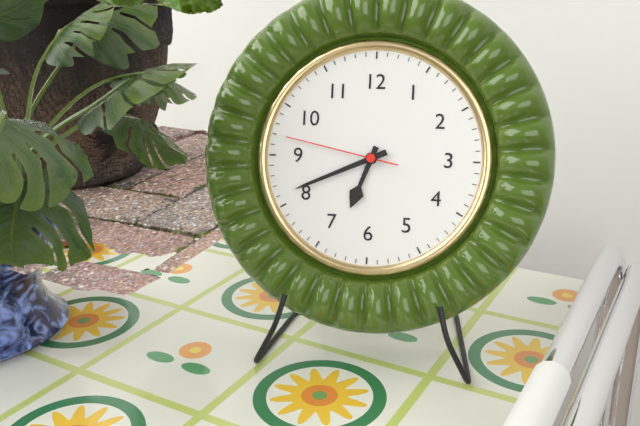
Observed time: 6:41:47
